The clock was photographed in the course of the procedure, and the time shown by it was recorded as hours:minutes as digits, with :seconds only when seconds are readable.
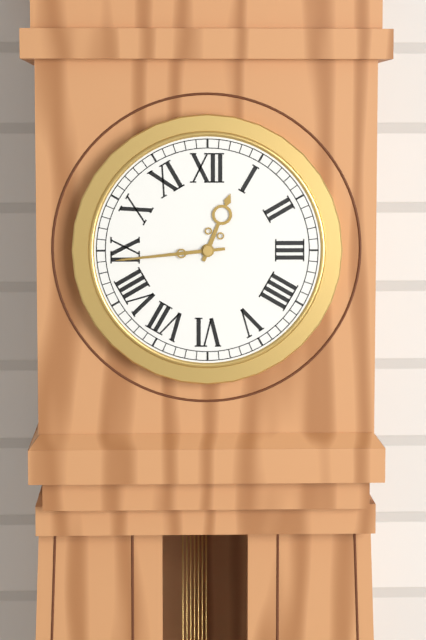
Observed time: 12:44
